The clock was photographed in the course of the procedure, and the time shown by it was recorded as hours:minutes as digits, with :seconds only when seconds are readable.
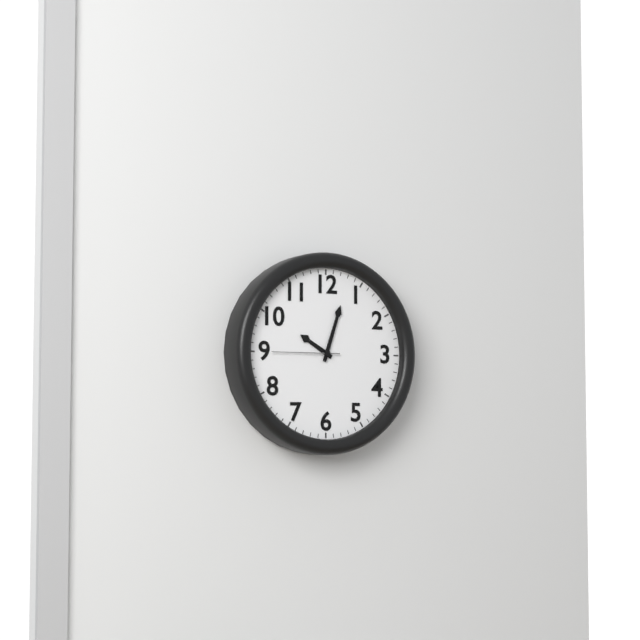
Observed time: 10:03:45
